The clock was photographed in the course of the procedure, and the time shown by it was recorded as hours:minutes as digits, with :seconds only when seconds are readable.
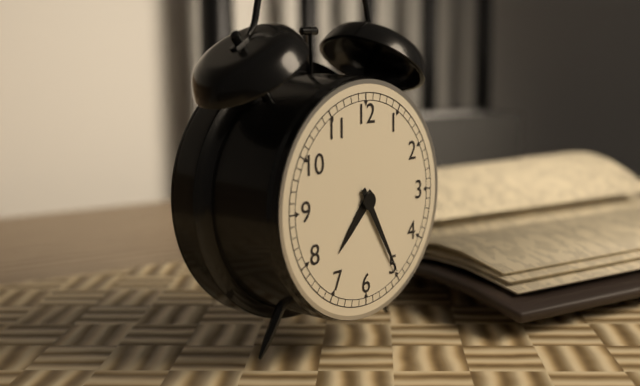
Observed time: 7:25
